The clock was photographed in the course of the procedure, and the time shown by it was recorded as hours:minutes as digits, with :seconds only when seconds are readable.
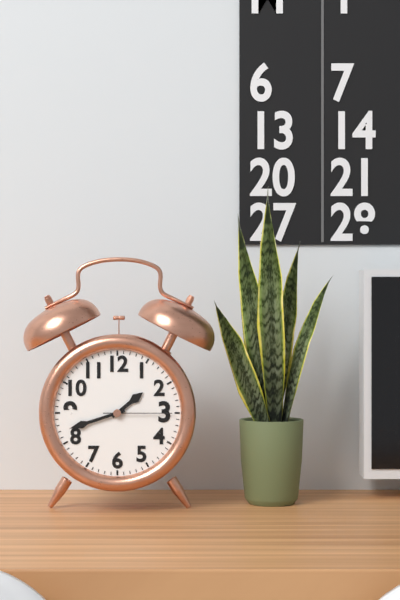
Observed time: 1:42:15
